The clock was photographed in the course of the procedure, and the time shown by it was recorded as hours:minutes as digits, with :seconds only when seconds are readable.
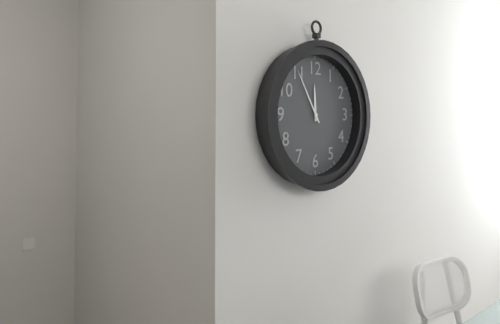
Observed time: 11:55
